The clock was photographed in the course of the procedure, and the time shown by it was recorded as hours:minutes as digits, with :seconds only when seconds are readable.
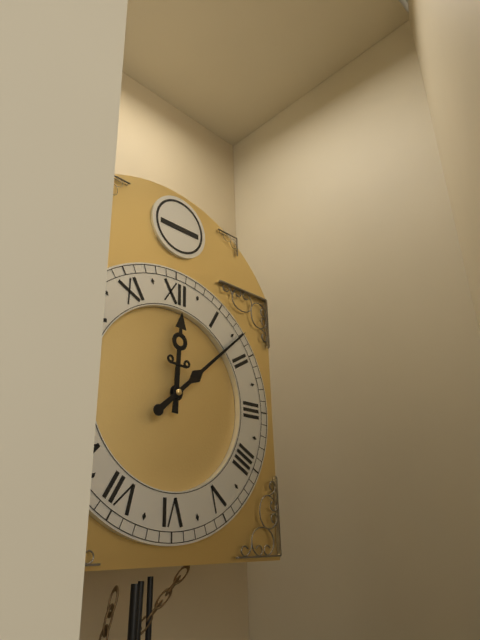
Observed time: 12:08
